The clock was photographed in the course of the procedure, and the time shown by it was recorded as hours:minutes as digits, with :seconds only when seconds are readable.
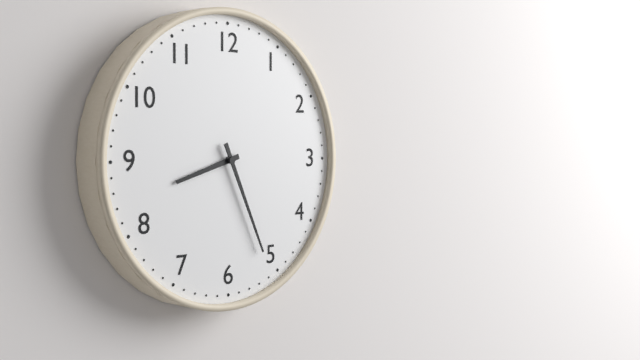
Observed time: 8:26
